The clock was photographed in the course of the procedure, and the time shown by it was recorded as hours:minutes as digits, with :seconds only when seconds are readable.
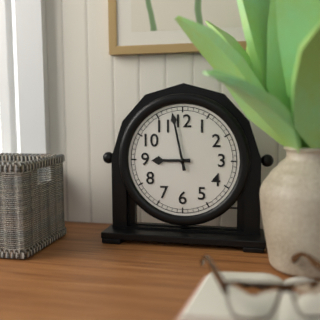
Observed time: 8:58
